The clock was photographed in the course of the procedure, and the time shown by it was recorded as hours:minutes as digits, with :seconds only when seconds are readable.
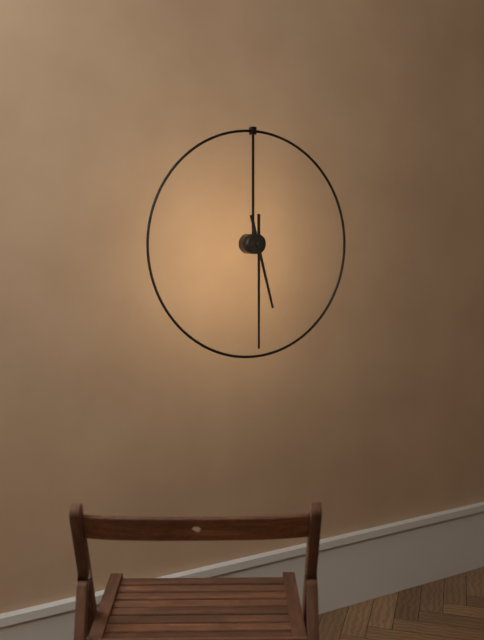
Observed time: 5:30
